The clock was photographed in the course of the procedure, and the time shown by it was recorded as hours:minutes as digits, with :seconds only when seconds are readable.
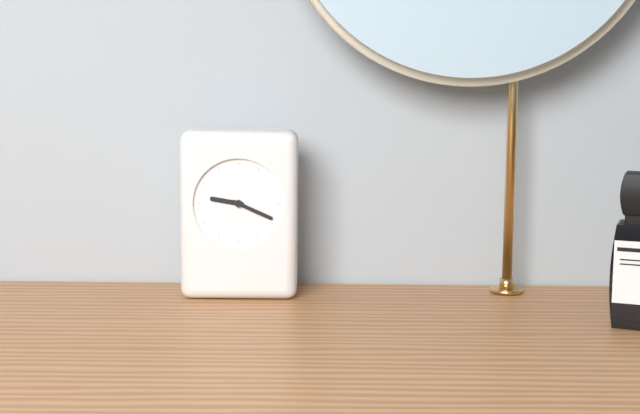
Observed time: 9:19
